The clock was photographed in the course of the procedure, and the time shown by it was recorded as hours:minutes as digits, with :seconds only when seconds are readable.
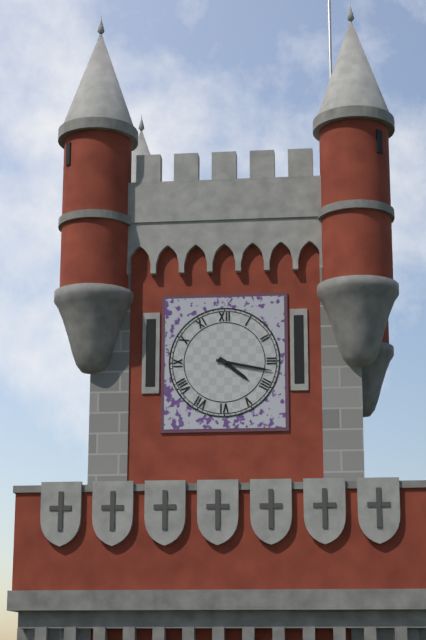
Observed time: 4:17
